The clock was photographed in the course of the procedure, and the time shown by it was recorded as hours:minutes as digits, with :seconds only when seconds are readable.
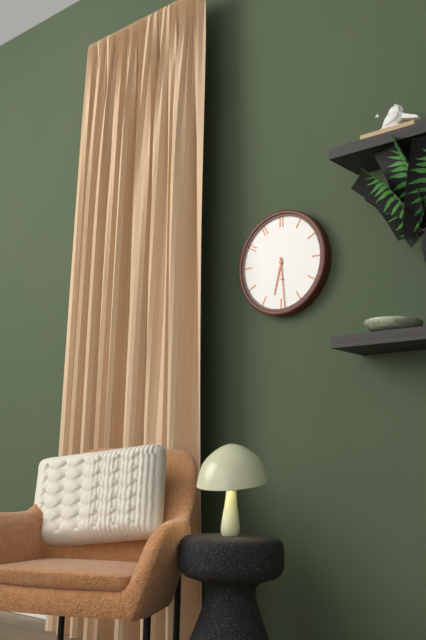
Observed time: 6:29
